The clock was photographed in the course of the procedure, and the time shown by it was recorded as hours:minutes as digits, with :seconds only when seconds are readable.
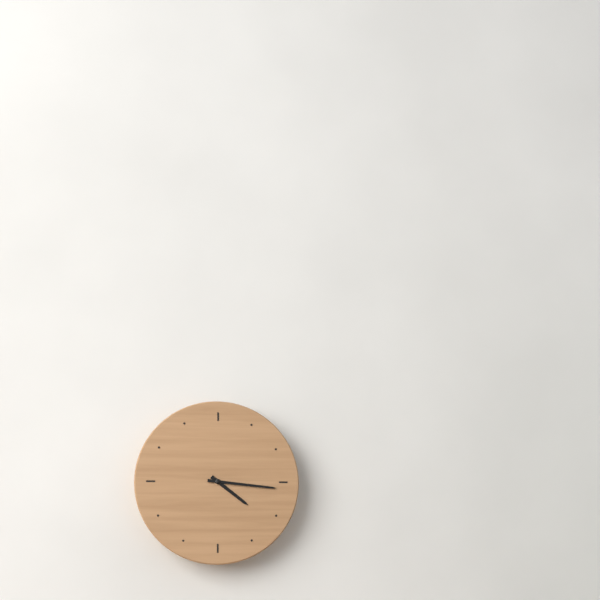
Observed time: 4:16
